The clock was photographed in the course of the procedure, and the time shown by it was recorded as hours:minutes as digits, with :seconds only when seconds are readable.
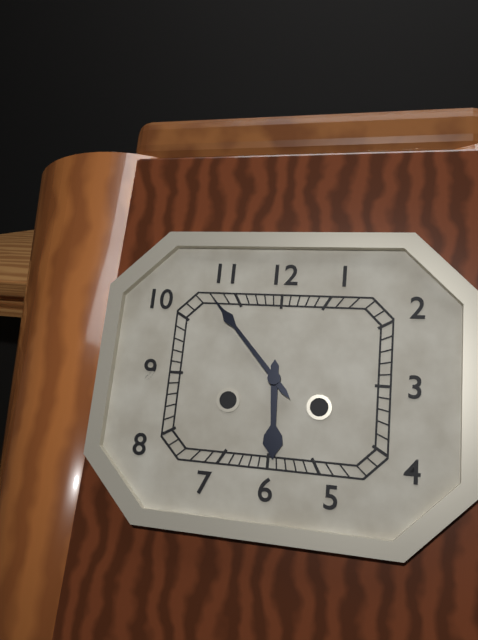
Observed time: 5:53
